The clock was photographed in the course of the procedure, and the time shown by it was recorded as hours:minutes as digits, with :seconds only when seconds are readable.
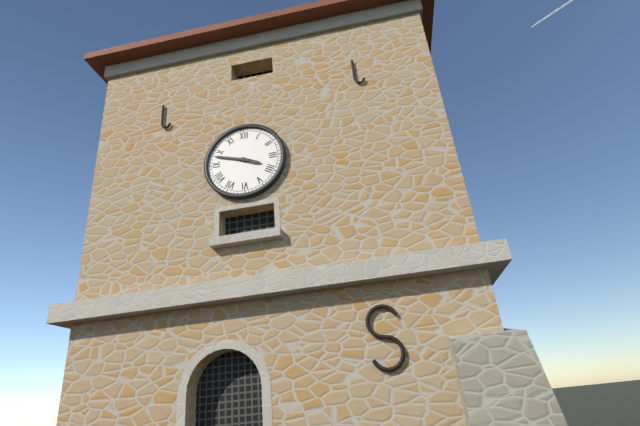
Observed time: 3:48
